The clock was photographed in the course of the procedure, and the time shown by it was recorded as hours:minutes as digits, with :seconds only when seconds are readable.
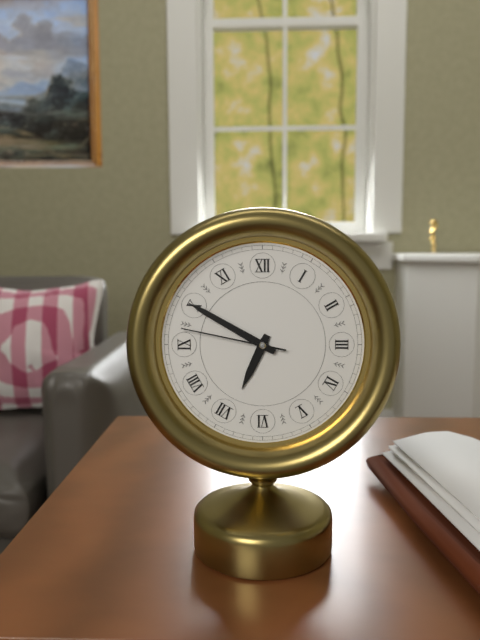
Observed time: 6:50:47
